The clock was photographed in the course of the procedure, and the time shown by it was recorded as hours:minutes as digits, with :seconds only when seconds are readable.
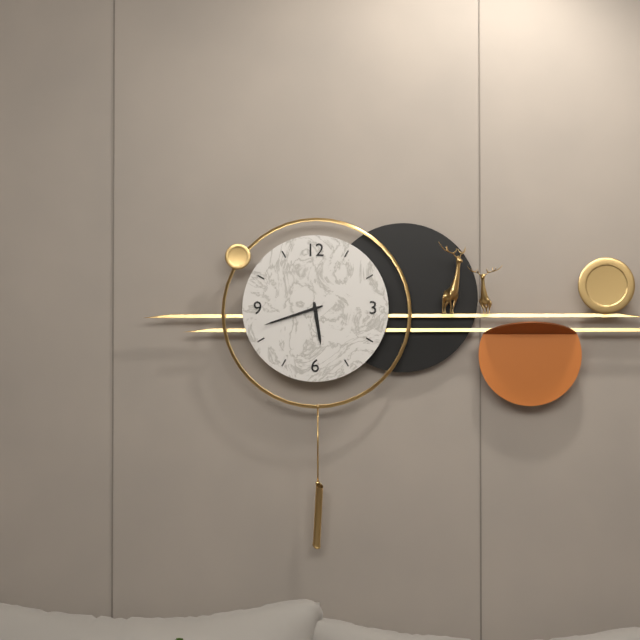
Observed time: 5:42
